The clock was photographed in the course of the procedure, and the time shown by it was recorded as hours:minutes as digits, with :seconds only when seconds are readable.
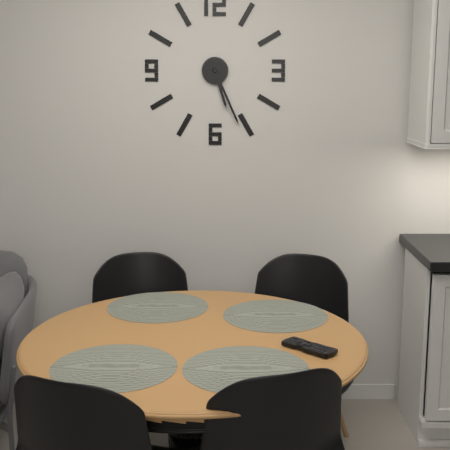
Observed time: 5:26
